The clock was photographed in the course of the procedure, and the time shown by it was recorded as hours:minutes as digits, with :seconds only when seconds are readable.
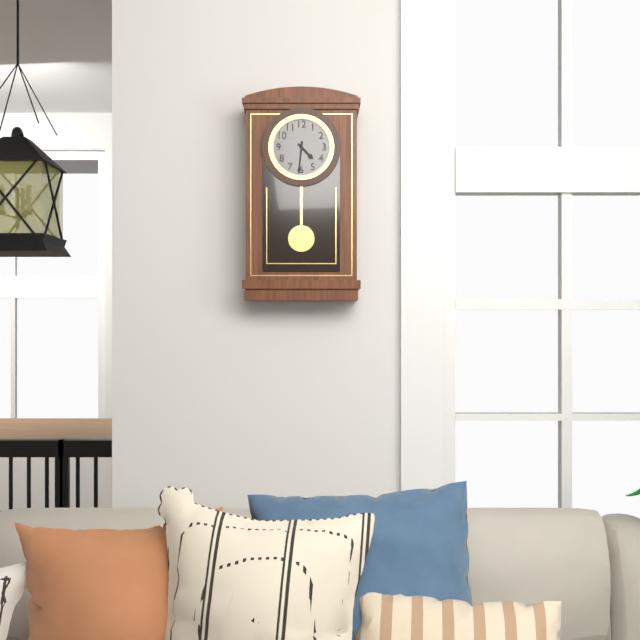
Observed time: 4:31
